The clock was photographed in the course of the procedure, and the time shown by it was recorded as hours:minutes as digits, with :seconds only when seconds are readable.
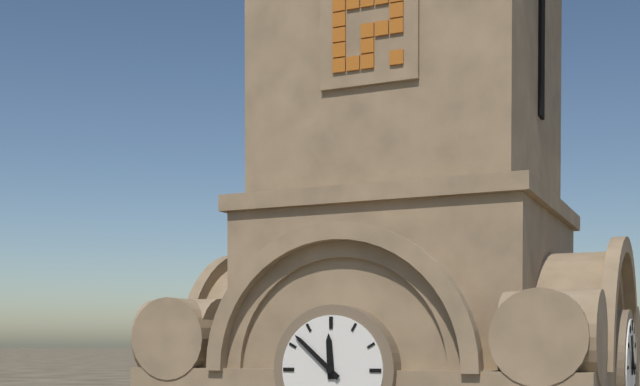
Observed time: 11:52
